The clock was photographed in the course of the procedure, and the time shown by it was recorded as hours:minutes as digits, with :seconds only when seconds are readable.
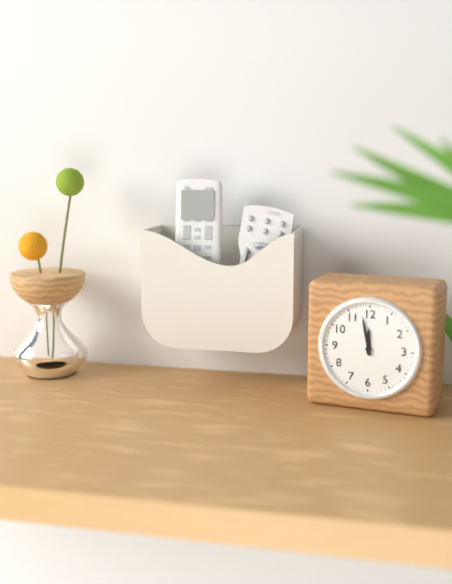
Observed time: 11:58
